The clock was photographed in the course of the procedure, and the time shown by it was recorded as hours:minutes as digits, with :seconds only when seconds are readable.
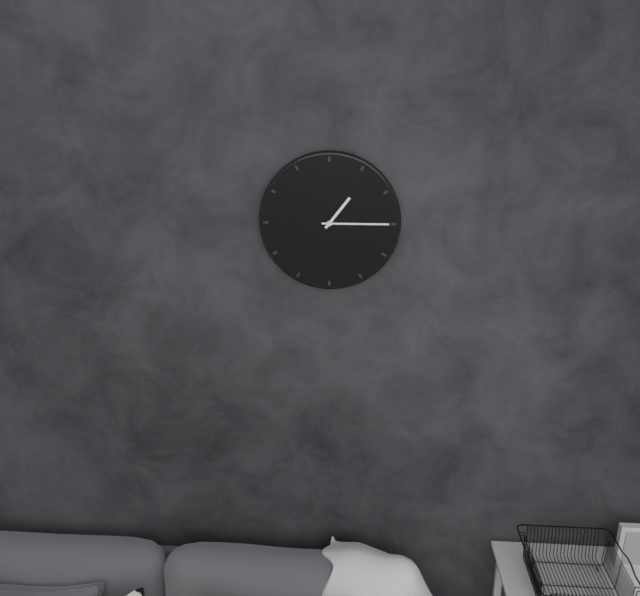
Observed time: 1:15
